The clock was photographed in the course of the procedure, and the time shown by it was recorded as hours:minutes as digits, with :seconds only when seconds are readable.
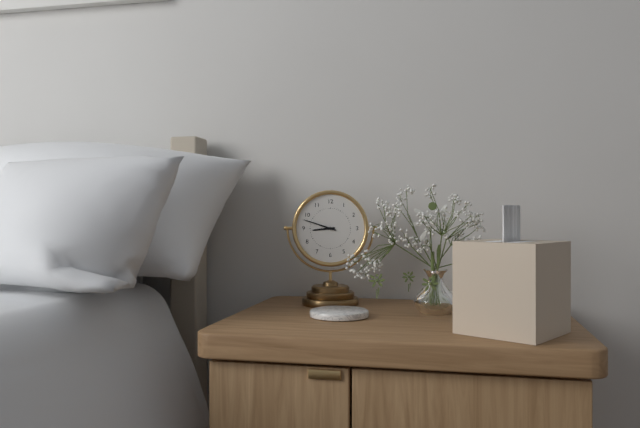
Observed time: 8:48
